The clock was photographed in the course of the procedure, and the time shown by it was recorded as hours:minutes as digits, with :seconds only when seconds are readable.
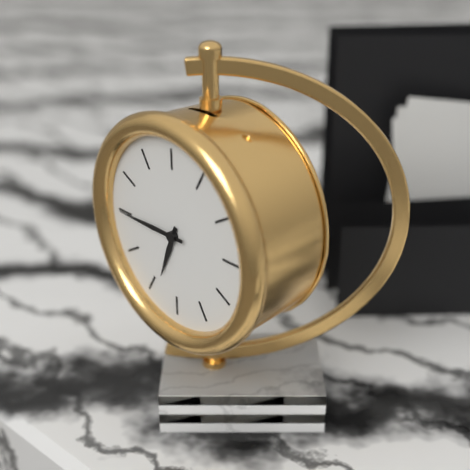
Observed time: 6:45
